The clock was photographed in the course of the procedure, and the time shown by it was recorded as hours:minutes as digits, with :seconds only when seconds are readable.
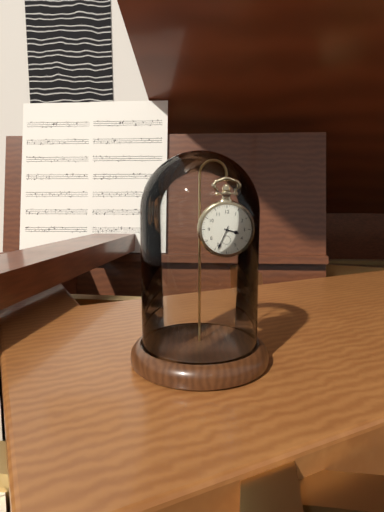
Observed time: 3:34
